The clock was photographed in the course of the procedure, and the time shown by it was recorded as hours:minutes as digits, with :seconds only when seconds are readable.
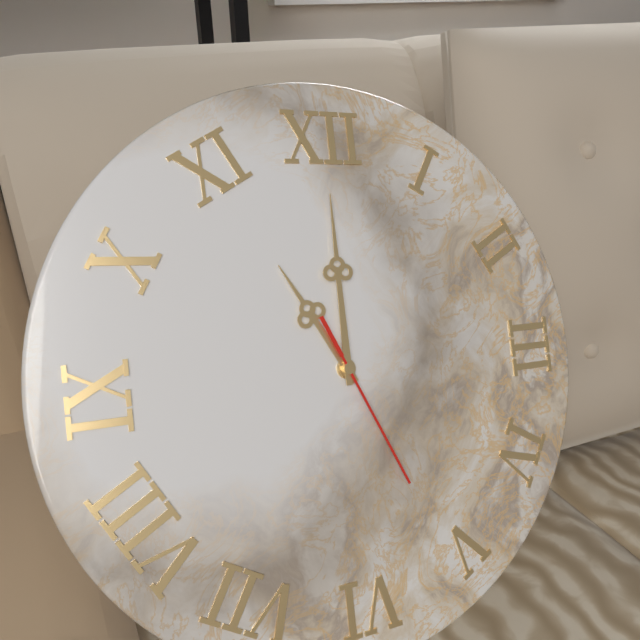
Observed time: 11:00:26
